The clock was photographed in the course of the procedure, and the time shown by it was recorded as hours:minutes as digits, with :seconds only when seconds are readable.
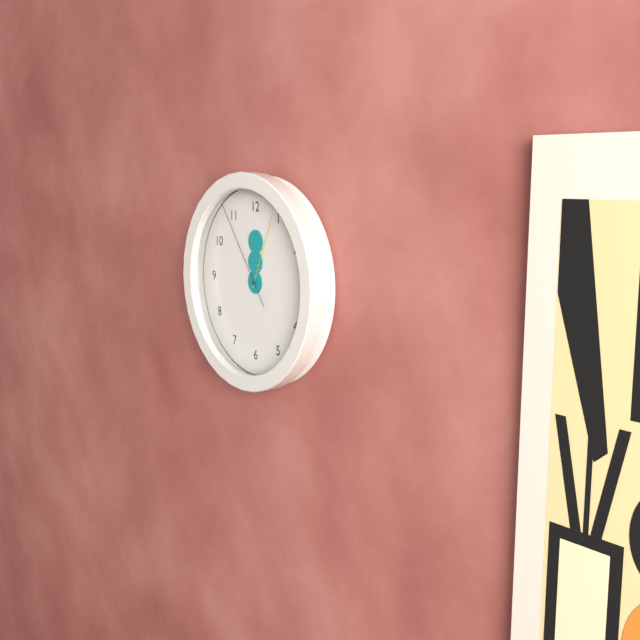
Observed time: 12:04:54
